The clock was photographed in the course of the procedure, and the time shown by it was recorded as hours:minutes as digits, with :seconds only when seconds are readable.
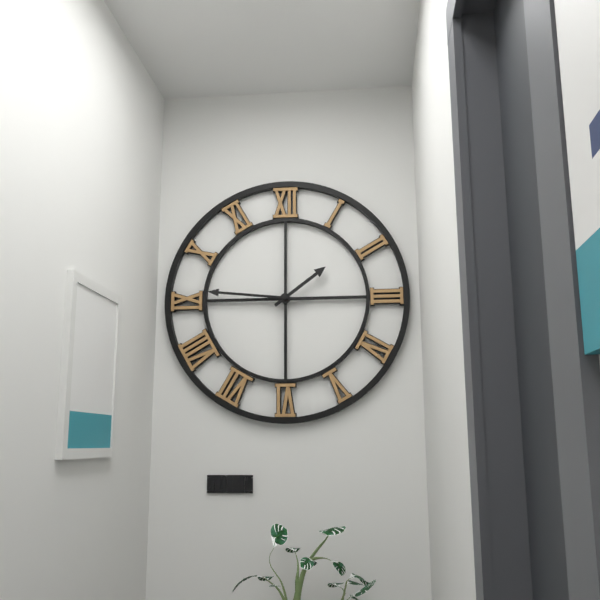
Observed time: 1:46
